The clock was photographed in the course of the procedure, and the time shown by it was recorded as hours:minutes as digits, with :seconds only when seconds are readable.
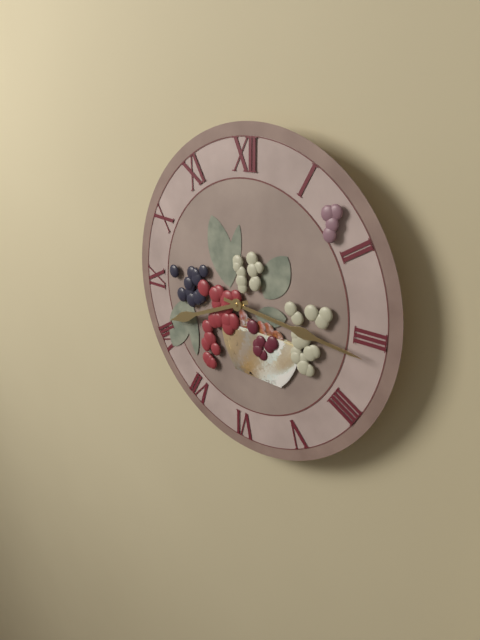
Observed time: 8:16
